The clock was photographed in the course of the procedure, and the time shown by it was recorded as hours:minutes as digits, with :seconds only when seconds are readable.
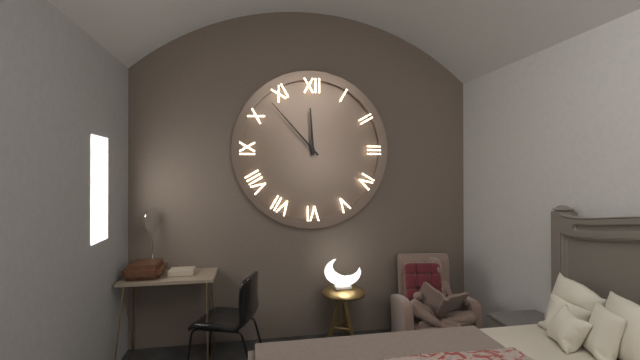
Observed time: 11:53
